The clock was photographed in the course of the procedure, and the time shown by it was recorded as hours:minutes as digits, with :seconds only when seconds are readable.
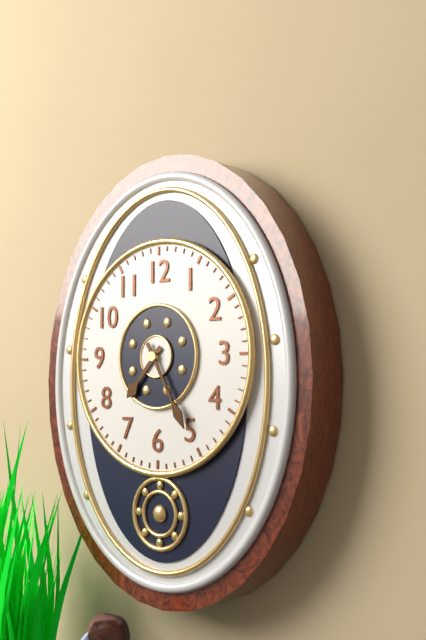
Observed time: 7:25
